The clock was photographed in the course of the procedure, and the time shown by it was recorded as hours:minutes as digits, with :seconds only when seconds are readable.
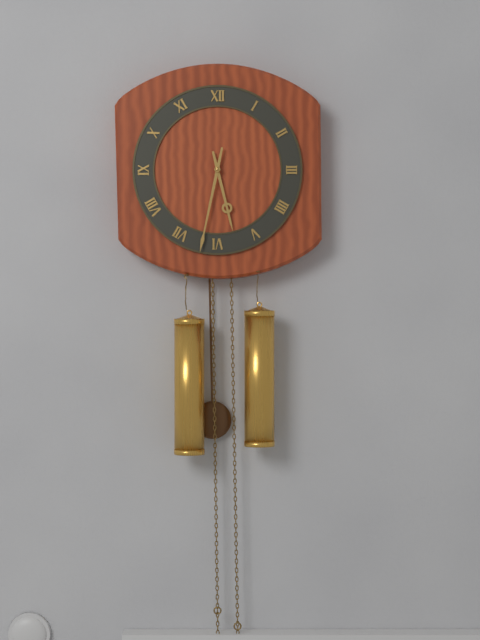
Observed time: 5:32
